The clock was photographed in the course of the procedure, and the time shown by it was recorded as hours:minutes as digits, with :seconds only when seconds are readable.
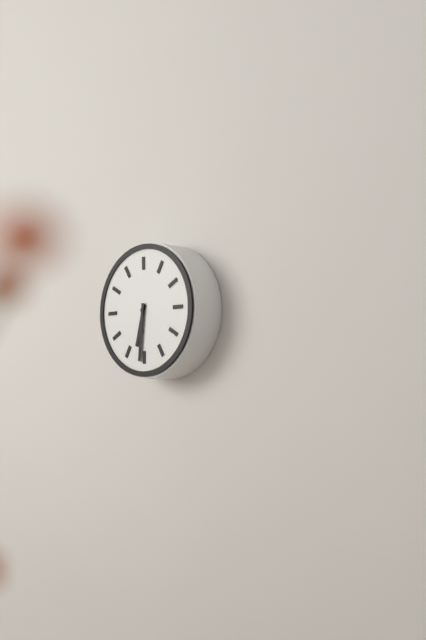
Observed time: 6:31
